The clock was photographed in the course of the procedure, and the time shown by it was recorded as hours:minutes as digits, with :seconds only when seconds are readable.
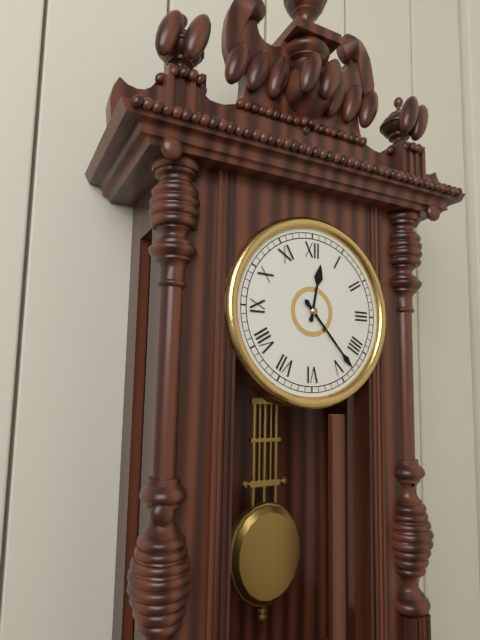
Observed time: 12:23
